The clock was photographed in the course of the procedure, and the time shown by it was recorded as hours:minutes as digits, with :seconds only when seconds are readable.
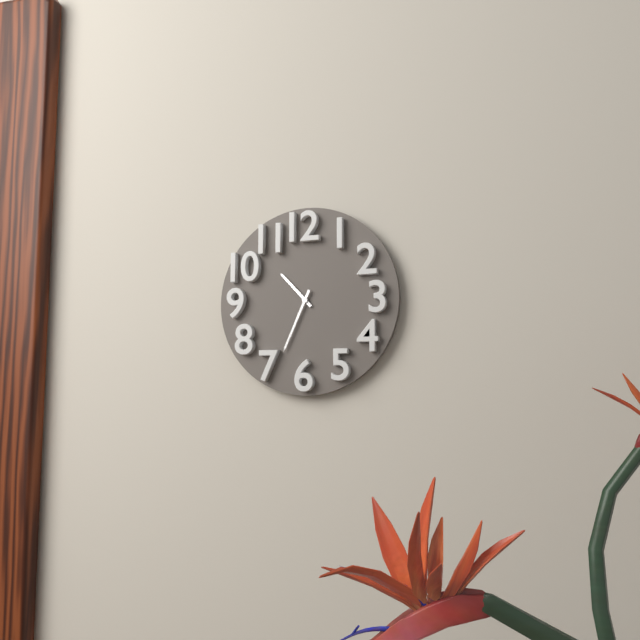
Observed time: 10:34
